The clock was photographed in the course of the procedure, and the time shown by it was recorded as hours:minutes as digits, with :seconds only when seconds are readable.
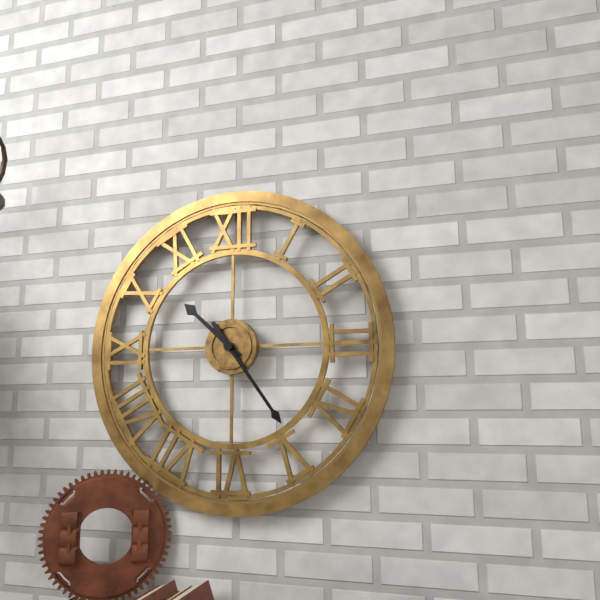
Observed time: 10:24
